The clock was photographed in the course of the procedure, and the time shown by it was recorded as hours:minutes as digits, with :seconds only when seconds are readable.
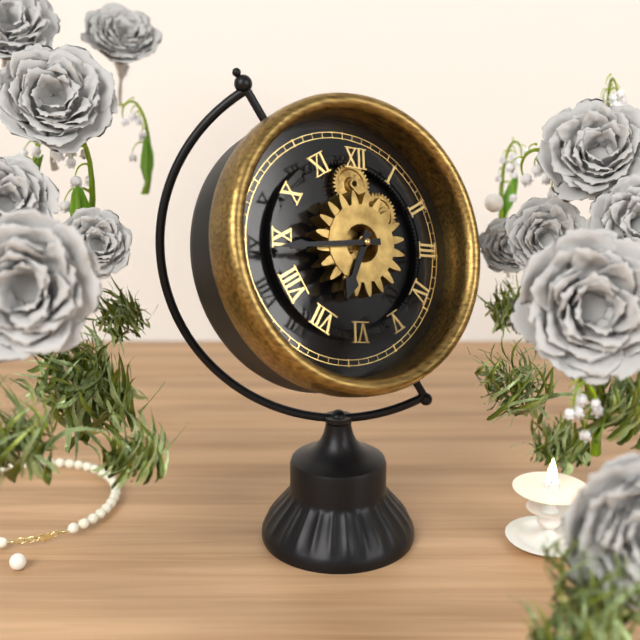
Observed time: 6:44
